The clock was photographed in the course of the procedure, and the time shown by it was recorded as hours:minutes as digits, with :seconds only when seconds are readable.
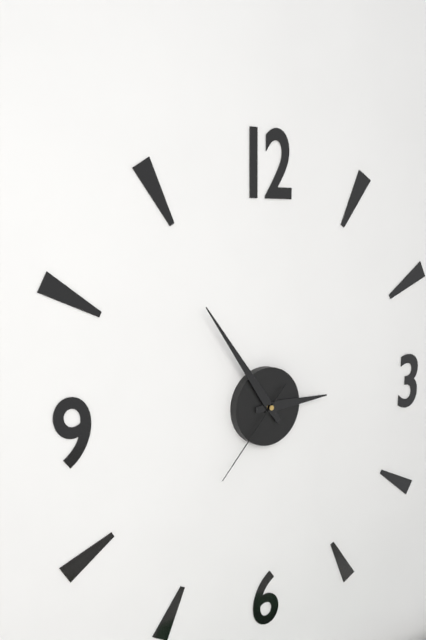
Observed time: 2:54:37
